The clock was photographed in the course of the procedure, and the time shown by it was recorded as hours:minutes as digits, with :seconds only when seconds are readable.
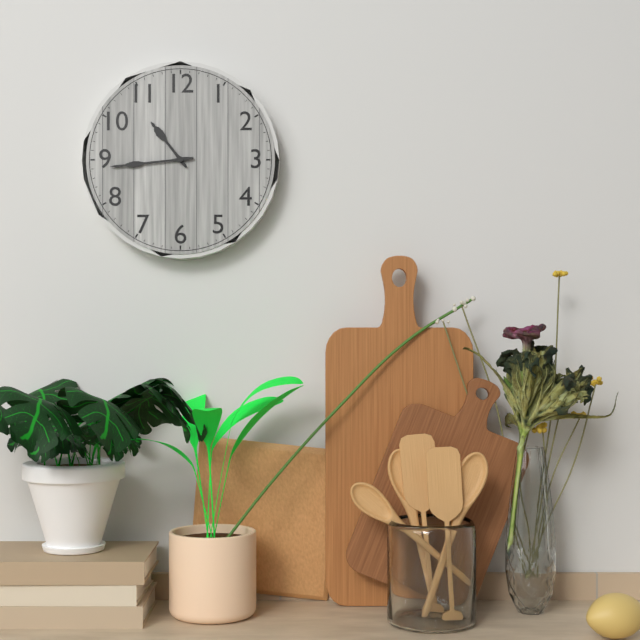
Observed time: 10:44
